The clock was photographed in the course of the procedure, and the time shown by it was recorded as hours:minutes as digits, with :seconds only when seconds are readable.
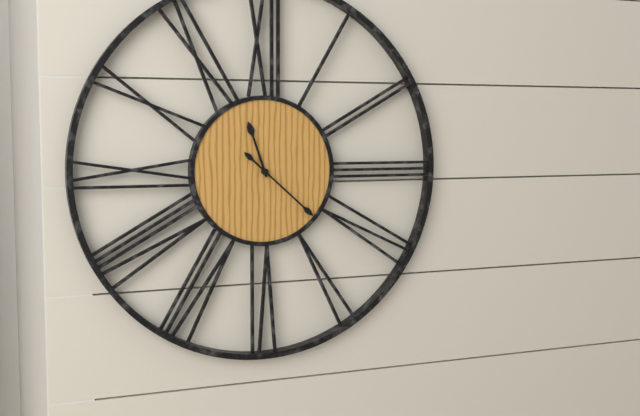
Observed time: 11:22
